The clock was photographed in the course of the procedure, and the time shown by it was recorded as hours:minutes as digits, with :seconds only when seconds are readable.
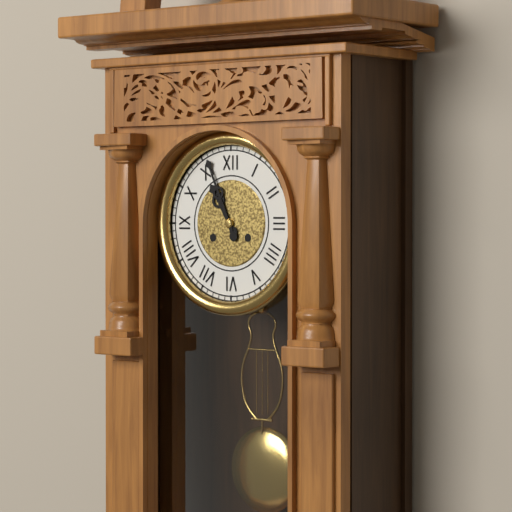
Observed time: 10:56
